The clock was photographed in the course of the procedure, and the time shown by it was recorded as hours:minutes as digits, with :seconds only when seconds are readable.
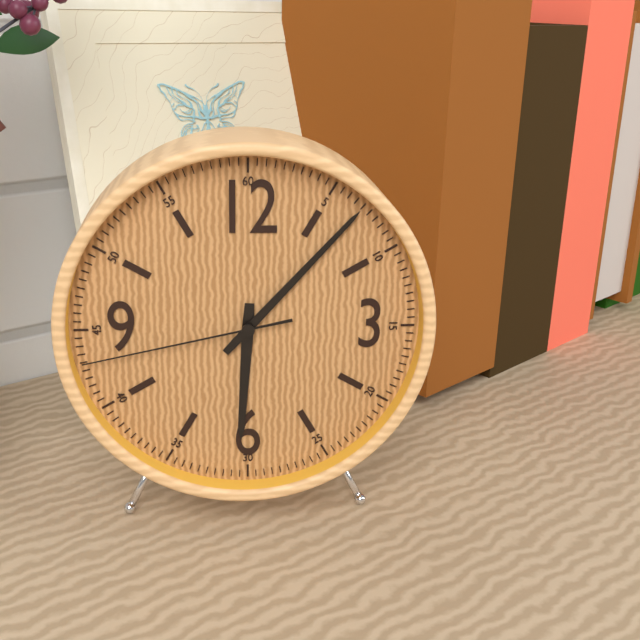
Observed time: 6:07:43
